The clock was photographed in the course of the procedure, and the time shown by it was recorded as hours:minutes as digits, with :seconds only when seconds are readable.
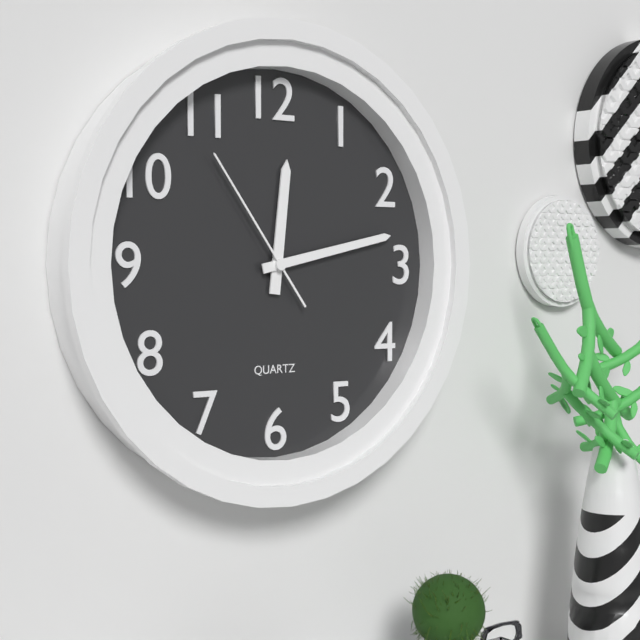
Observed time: 12:13:54
